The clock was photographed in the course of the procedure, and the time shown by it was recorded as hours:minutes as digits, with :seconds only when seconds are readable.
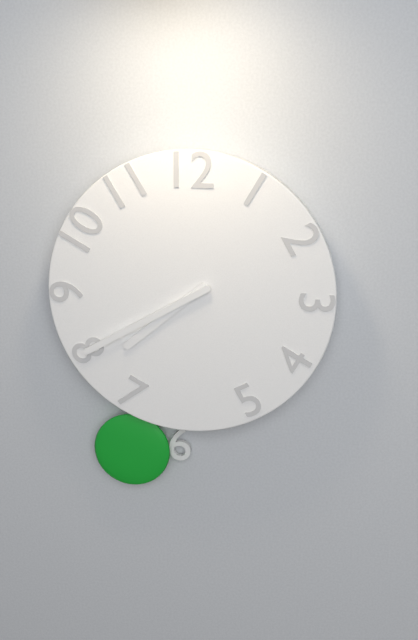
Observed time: 7:40
